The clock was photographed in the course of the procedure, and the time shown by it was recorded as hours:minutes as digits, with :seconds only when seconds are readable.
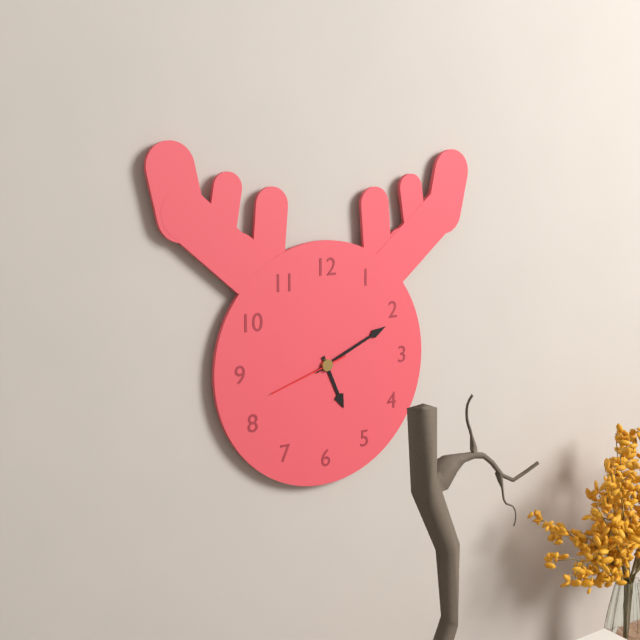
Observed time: 5:11:42
